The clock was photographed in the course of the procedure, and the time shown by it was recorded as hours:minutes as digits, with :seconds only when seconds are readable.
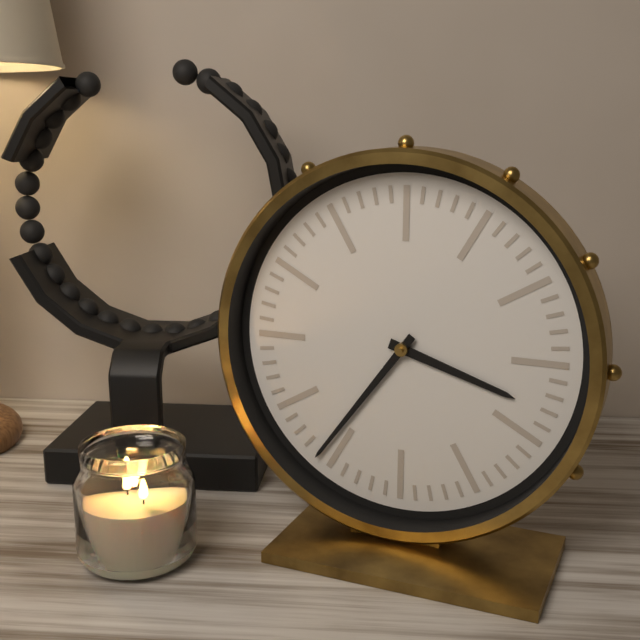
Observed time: 3:36
